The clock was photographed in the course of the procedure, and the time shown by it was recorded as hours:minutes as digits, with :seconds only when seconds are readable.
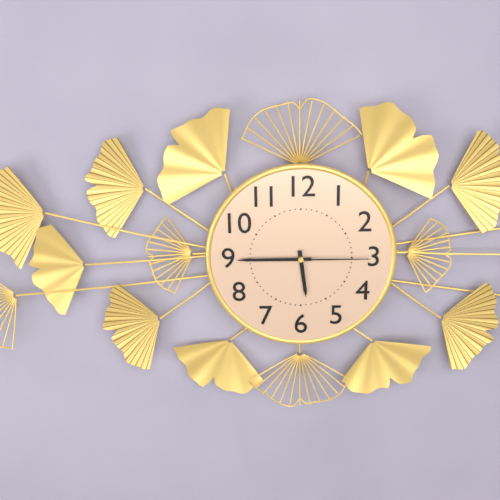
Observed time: 5:45:15
